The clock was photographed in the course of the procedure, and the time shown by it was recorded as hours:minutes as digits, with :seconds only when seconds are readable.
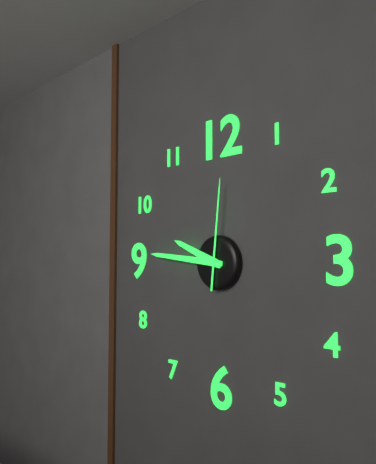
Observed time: 9:46:01
